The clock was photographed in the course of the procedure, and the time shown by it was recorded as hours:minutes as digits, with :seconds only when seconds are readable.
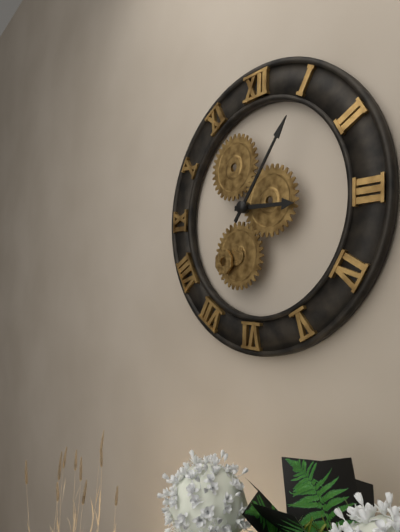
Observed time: 3:06
